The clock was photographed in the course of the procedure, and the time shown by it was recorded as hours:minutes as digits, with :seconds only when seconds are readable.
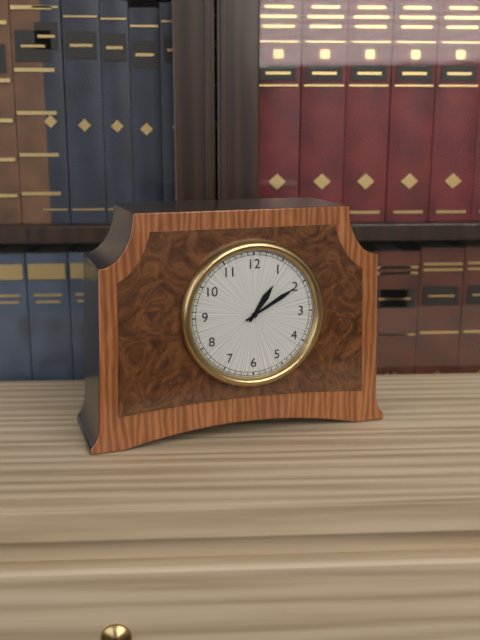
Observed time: 1:10
